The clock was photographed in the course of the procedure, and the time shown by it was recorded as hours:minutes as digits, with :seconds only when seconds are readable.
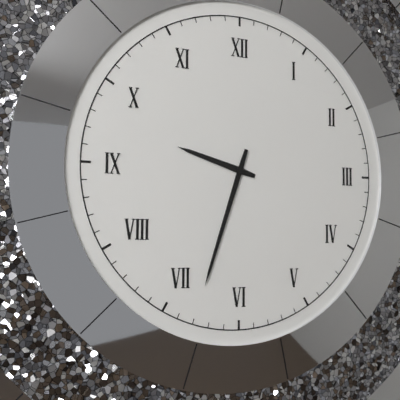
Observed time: 9:33
